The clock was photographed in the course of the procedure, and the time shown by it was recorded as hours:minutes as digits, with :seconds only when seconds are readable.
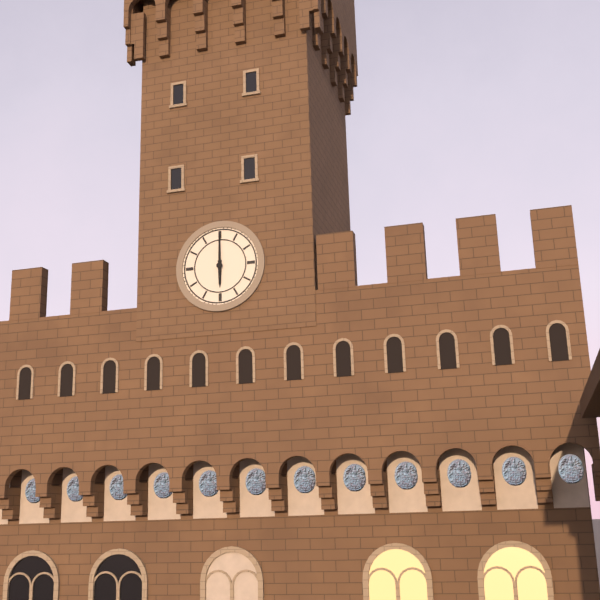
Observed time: 6:00
